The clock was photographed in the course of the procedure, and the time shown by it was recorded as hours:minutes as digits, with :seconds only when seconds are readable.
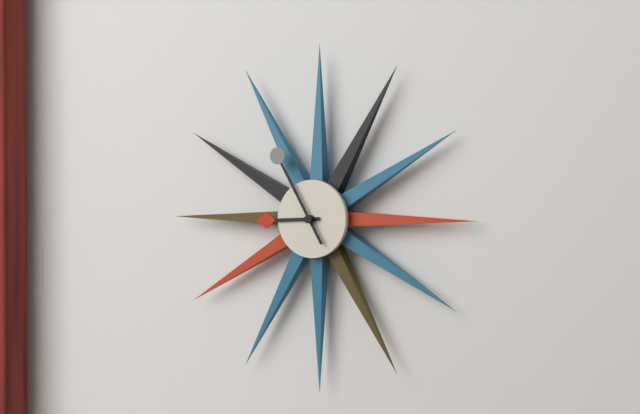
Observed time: 8:55
